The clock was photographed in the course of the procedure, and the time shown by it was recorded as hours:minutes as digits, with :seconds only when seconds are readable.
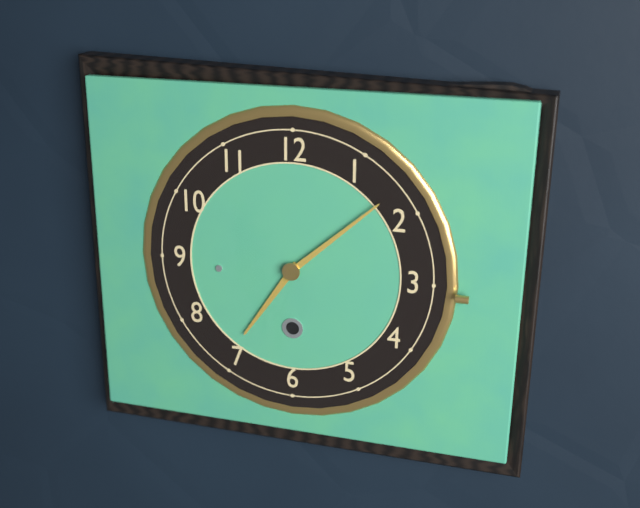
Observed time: 7:08
